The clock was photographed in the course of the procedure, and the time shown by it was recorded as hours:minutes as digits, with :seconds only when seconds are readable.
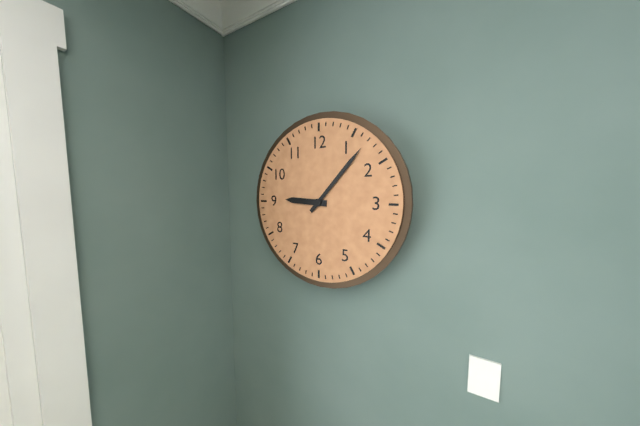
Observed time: 9:07
